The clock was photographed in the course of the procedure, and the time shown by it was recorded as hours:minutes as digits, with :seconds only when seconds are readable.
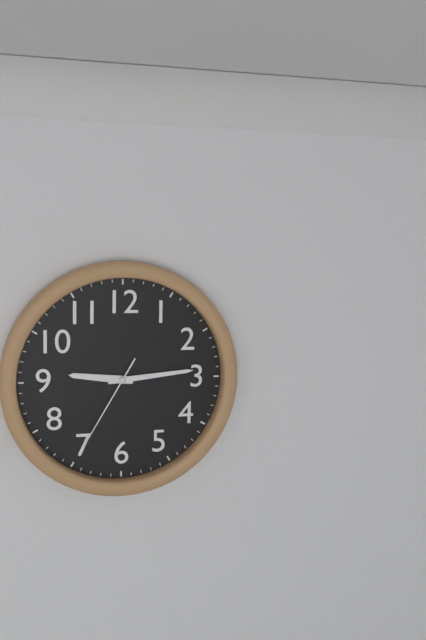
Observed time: 9:14:35
